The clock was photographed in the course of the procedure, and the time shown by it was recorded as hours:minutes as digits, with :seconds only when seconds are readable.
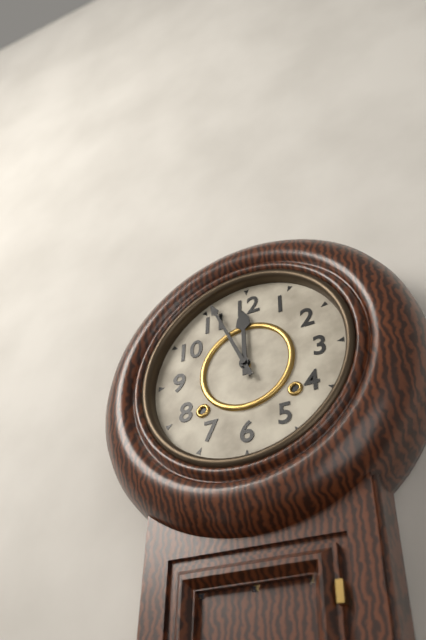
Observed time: 11:56
